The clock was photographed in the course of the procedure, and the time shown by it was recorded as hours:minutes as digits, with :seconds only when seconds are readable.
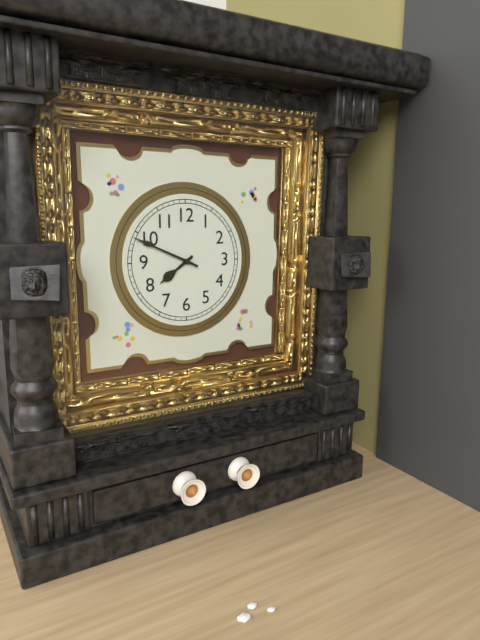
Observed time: 7:49
